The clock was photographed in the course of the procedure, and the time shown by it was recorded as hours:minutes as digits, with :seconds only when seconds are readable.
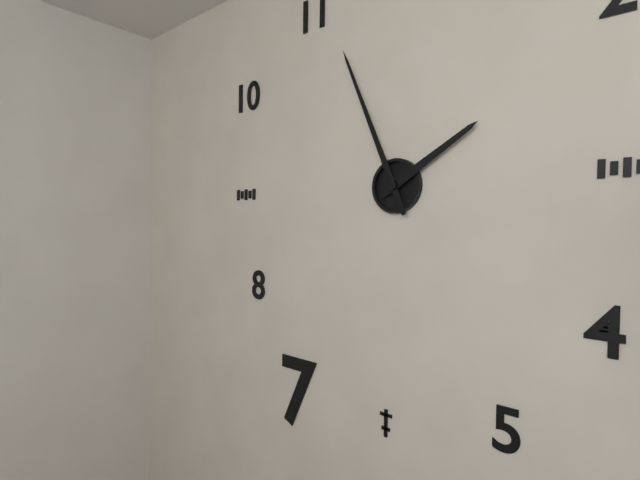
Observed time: 1:56
